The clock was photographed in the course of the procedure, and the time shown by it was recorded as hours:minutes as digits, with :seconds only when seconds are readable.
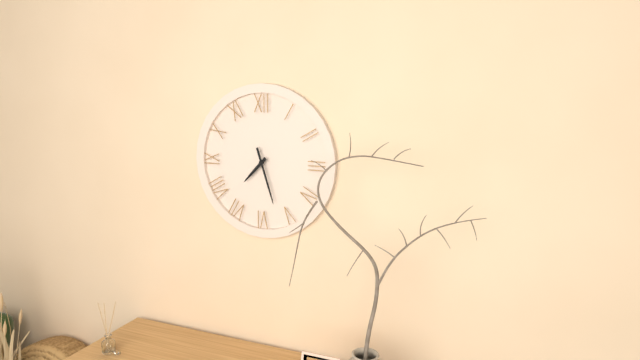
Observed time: 7:27
